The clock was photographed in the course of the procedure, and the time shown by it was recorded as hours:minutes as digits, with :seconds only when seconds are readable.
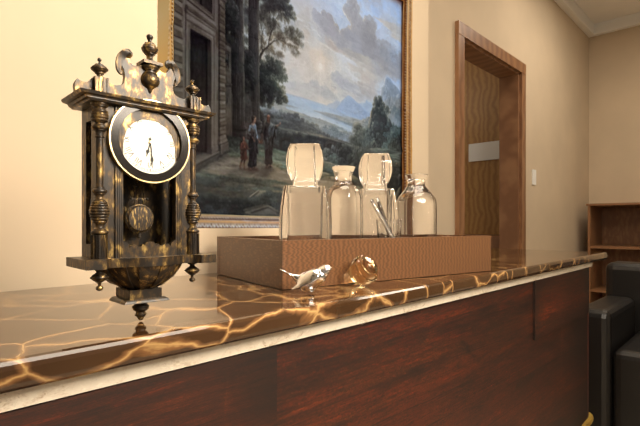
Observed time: 6:29
